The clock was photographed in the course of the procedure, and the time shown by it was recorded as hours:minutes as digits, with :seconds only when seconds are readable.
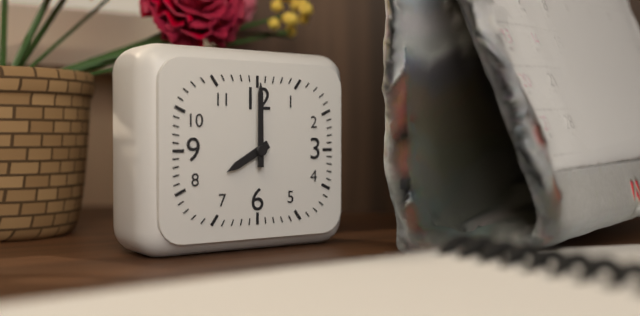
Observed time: 8:00
